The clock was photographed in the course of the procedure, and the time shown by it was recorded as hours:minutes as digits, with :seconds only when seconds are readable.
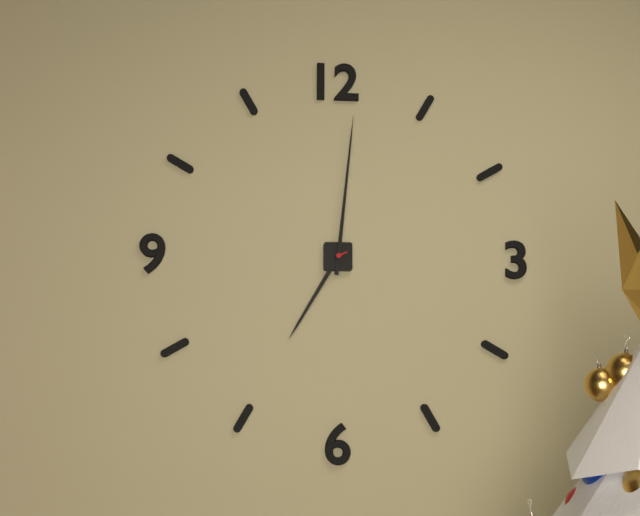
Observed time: 7:01
